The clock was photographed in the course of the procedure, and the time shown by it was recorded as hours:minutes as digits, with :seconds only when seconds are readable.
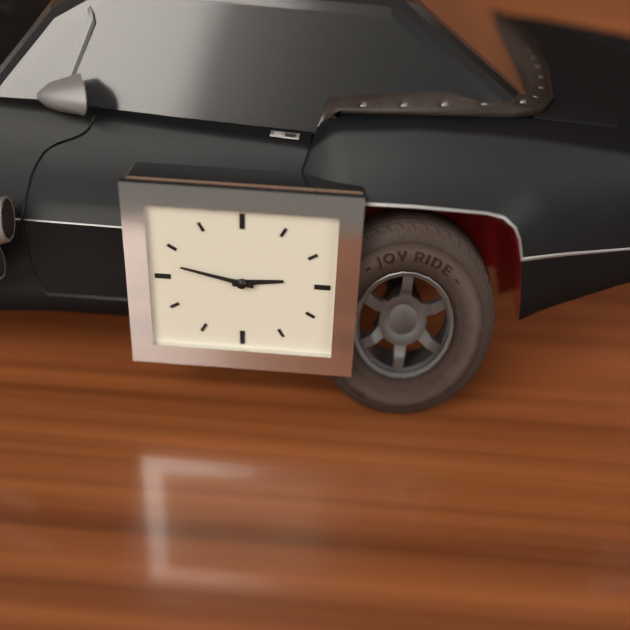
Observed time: 2:47
